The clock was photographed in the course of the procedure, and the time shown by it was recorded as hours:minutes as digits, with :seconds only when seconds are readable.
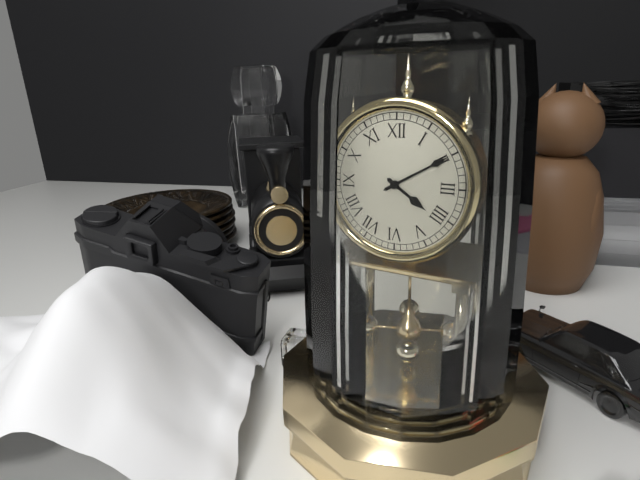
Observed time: 4:10
